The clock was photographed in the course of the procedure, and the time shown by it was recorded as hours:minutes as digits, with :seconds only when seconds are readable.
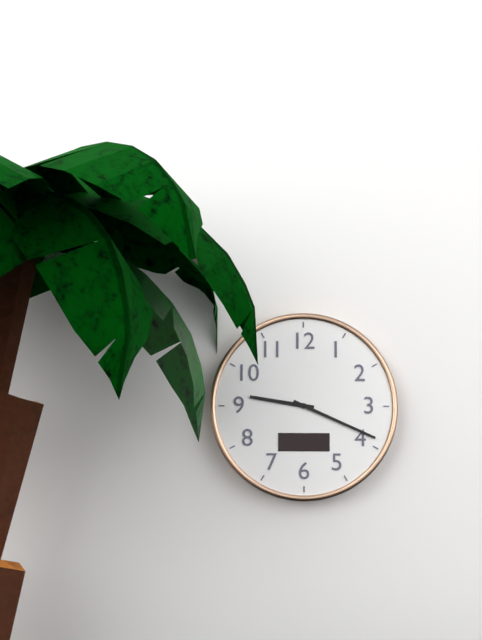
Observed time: 9:19
